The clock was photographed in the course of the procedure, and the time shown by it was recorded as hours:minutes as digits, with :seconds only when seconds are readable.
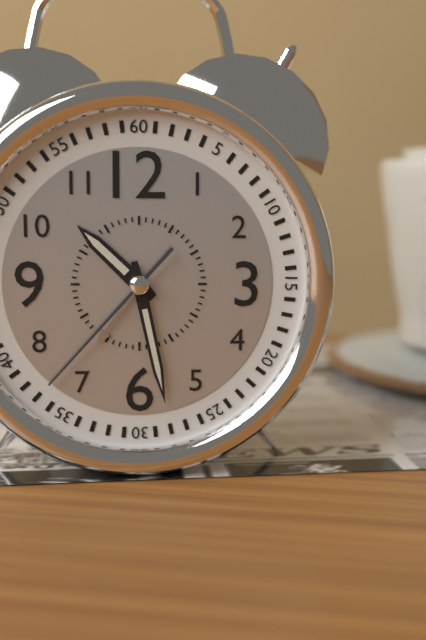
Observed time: 10:28:37
